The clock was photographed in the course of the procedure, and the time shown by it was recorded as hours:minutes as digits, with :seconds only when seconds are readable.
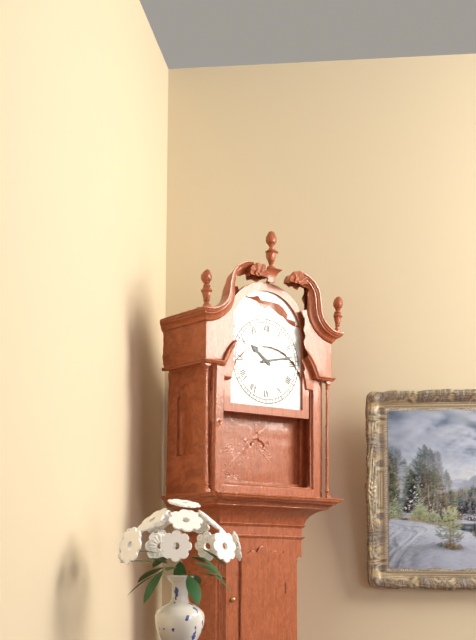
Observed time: 10:13
